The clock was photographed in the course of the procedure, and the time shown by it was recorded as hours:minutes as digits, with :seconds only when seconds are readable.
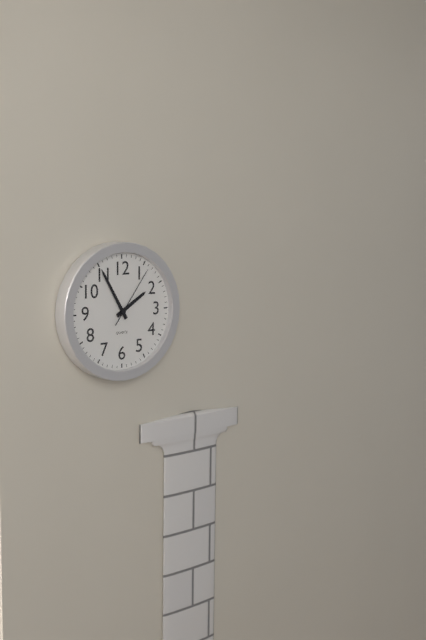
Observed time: 1:55:06
